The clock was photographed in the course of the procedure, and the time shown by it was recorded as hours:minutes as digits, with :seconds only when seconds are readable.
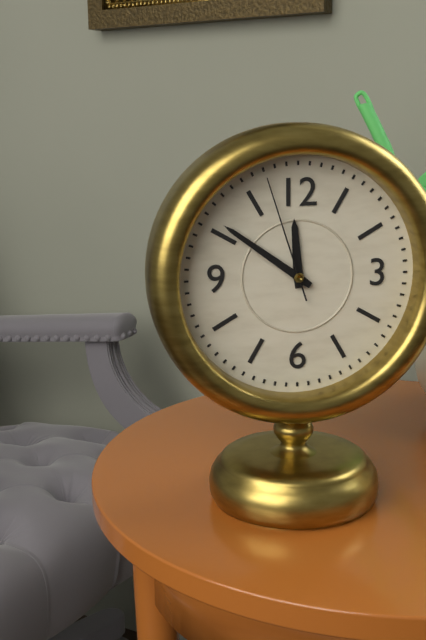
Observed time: 11:51:57
